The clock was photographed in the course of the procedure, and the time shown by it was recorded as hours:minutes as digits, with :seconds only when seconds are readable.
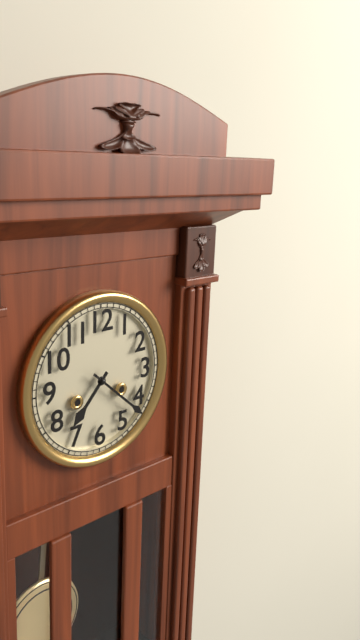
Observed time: 7:22
